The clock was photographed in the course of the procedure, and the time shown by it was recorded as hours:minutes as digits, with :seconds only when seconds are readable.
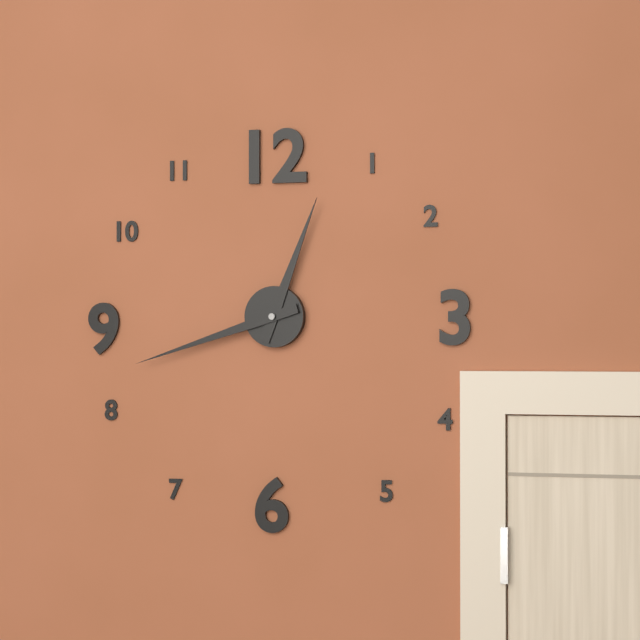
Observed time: 12:42
